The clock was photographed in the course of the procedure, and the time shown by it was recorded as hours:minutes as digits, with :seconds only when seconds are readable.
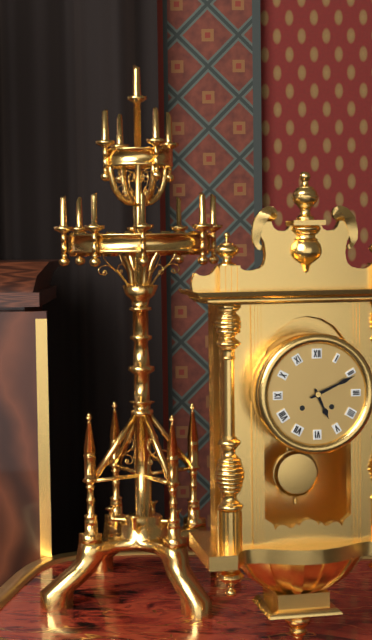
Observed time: 5:11
